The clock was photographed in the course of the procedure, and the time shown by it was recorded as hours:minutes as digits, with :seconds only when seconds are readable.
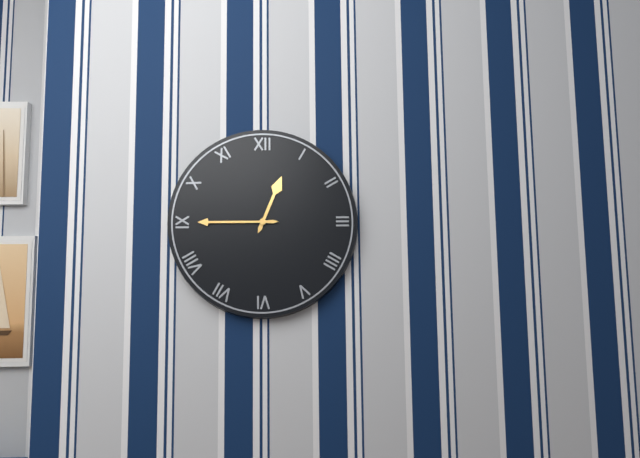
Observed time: 12:45
